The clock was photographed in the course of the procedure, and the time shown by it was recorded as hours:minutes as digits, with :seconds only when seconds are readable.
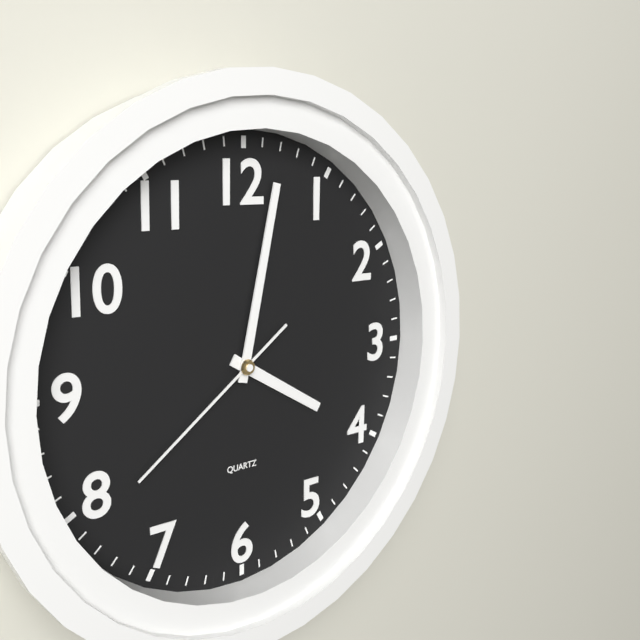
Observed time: 4:02:39
